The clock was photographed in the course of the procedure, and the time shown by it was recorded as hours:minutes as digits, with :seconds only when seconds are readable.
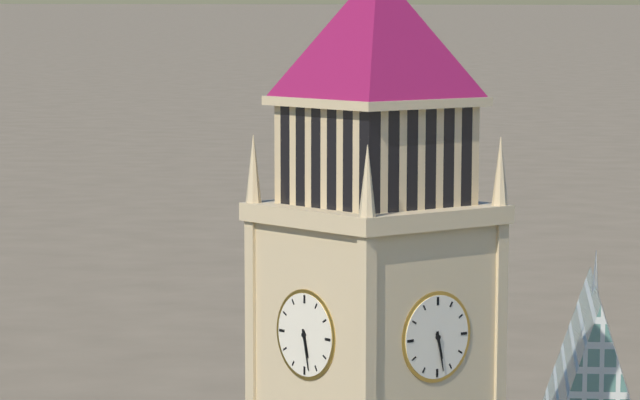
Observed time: 5:28
